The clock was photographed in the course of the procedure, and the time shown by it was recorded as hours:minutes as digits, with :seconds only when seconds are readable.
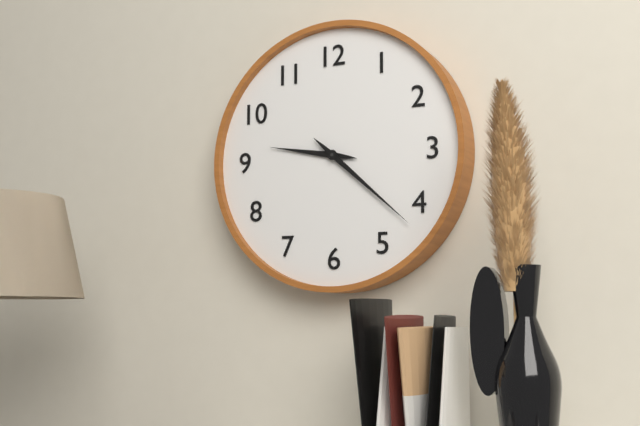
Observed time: 9:22
